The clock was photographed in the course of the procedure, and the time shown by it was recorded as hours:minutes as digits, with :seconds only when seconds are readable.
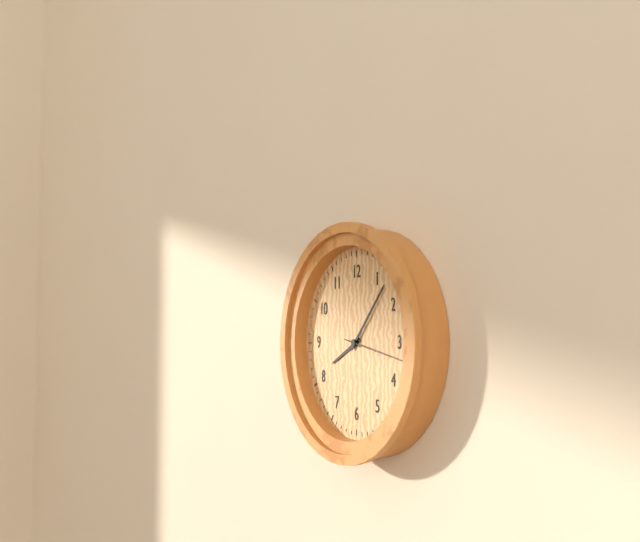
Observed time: 8:07:17
